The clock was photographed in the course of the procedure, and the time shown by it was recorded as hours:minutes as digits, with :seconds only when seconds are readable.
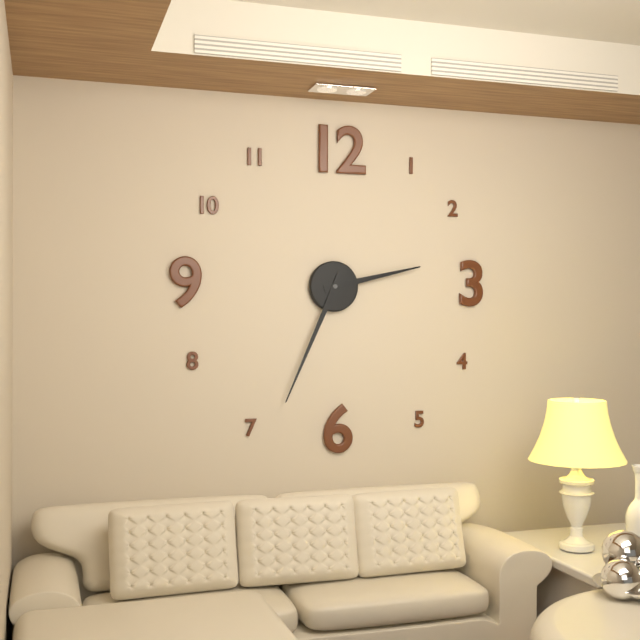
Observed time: 2:34
